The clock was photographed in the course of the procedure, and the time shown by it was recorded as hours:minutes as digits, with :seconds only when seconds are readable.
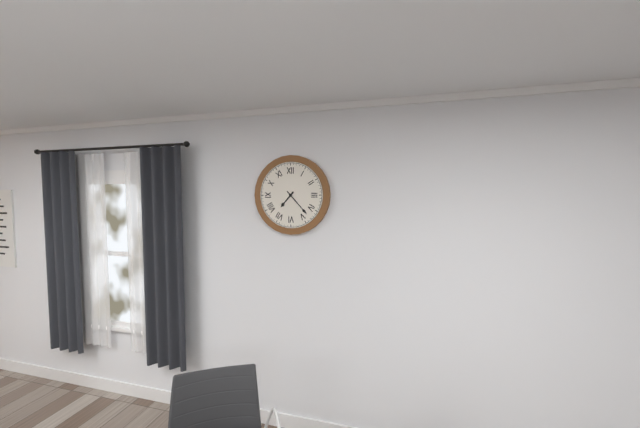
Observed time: 7:23
